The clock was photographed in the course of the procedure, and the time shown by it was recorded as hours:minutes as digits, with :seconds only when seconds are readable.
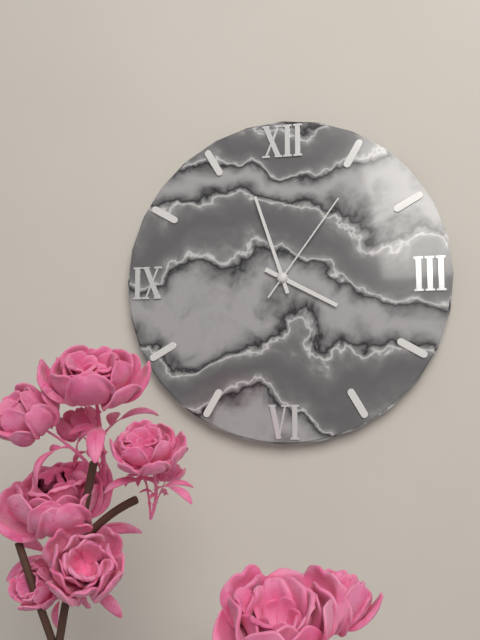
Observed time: 3:57:06
